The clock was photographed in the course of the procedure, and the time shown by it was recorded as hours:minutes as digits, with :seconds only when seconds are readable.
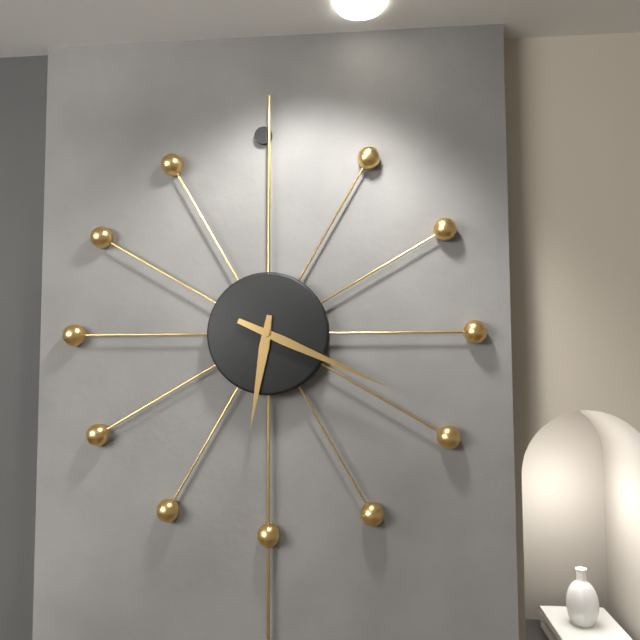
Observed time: 6:19
